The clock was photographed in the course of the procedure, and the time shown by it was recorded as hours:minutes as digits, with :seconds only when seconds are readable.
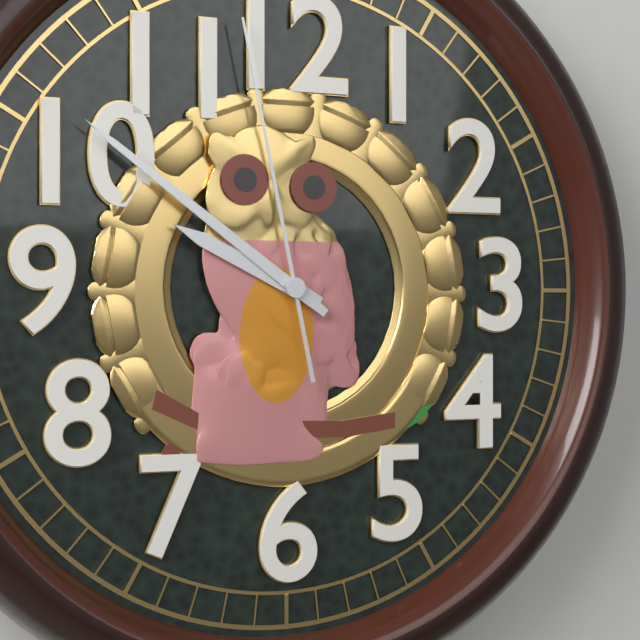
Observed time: 9:51:58
